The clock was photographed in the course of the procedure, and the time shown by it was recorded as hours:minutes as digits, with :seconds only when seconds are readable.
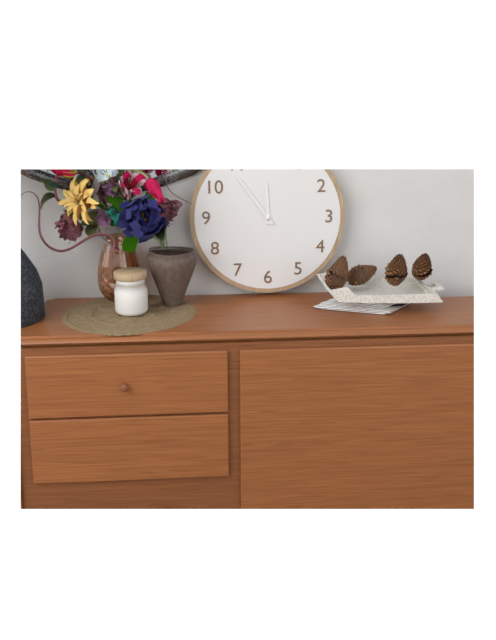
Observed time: 11:54
